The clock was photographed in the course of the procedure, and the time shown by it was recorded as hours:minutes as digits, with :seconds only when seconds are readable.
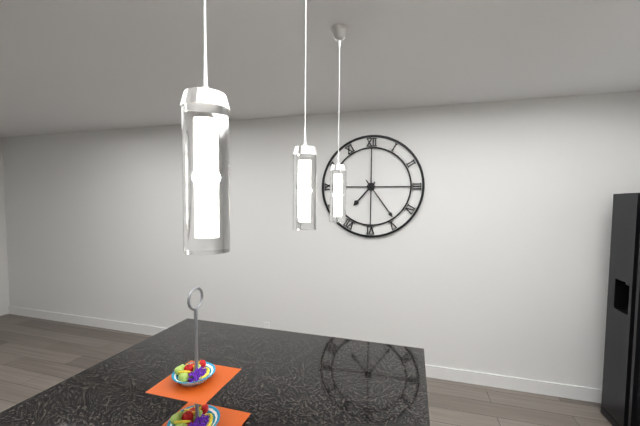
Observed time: 7:24
